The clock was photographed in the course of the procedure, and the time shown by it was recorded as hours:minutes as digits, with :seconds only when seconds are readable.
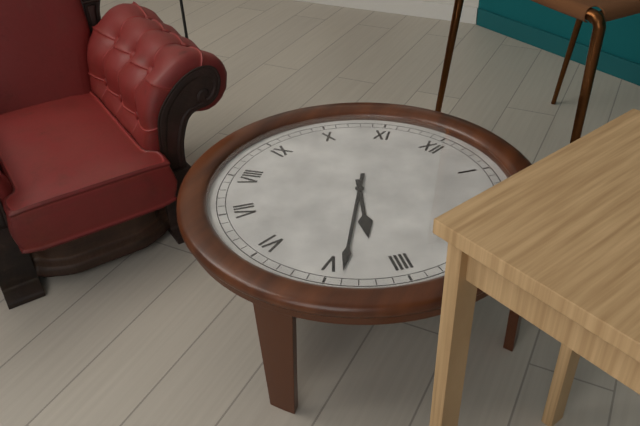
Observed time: 4:24
